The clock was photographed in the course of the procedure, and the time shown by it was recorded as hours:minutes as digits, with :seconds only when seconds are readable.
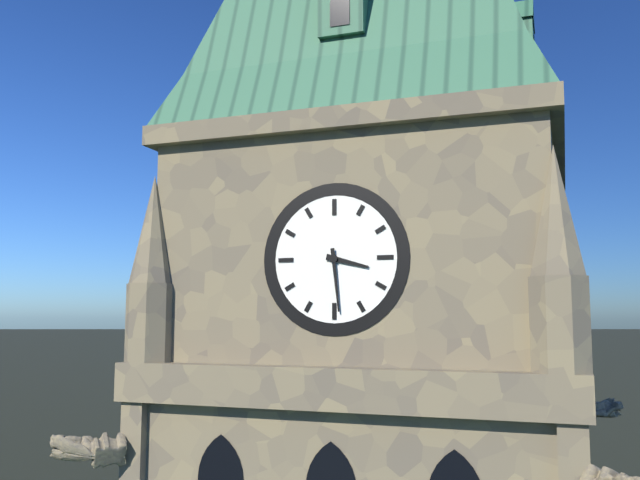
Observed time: 3:29
